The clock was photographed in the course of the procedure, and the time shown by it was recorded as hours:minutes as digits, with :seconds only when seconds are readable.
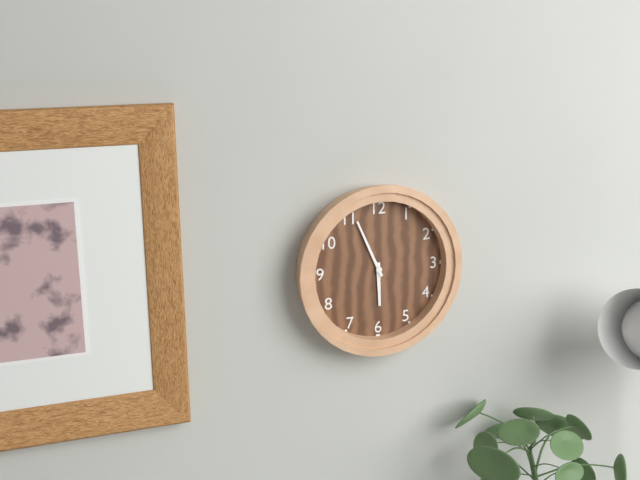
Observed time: 5:56
